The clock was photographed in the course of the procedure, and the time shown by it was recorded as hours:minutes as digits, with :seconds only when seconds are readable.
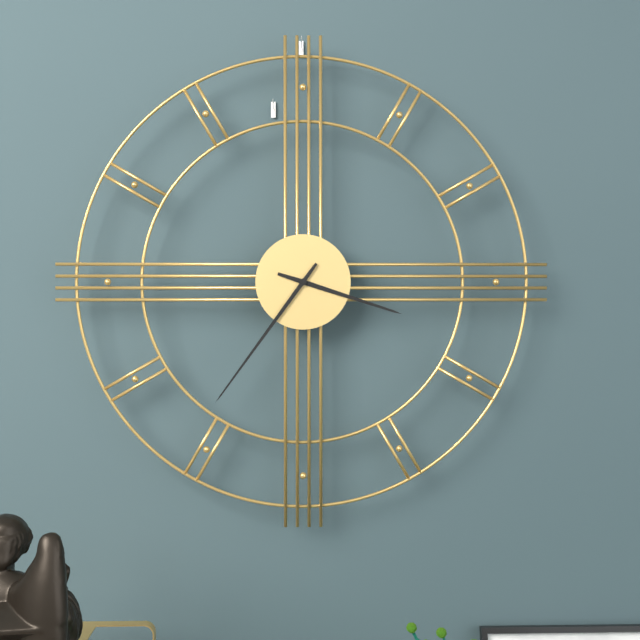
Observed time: 3:36
